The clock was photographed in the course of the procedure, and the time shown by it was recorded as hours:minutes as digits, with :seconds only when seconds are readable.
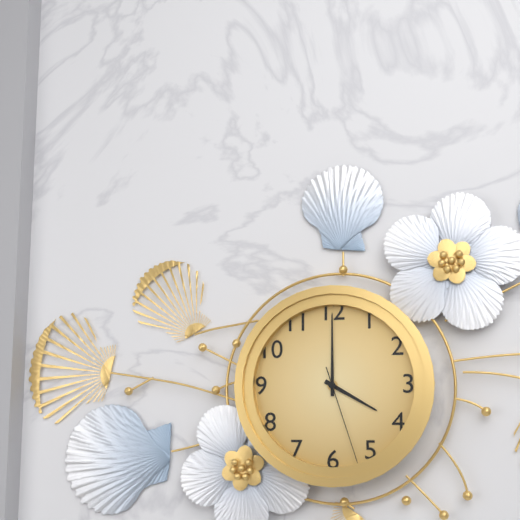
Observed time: 4:00:27
